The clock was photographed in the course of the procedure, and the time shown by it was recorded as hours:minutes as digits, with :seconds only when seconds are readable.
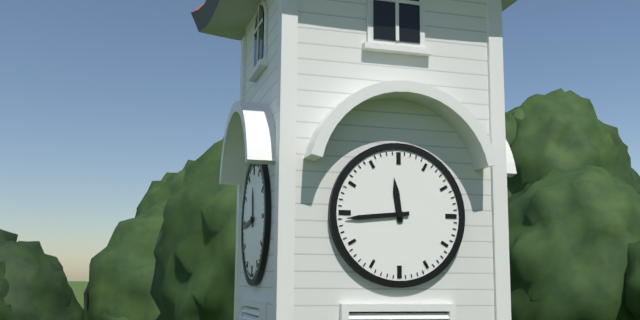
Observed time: 11:44
